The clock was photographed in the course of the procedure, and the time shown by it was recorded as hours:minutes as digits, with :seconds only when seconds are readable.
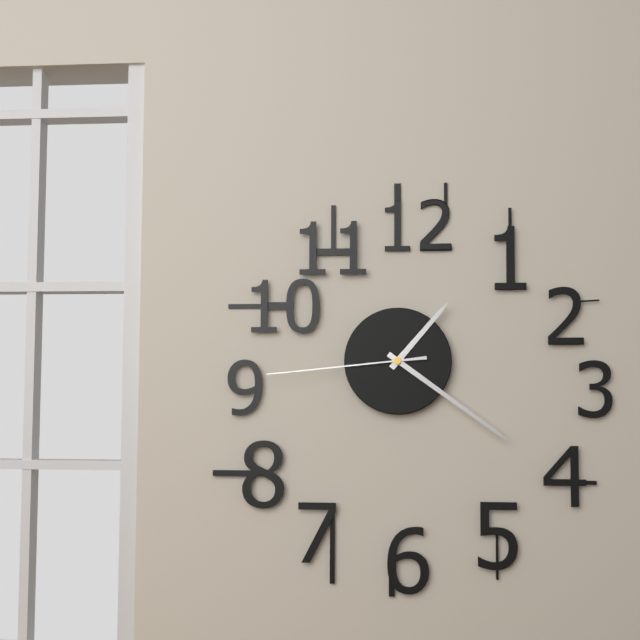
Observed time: 1:21:44
